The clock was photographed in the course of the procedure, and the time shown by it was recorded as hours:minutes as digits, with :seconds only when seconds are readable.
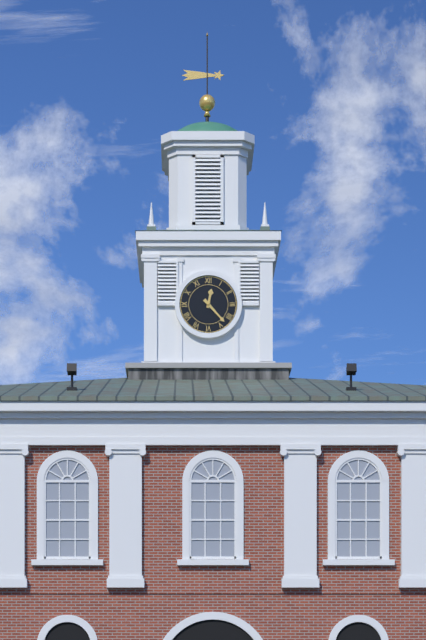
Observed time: 12:23
